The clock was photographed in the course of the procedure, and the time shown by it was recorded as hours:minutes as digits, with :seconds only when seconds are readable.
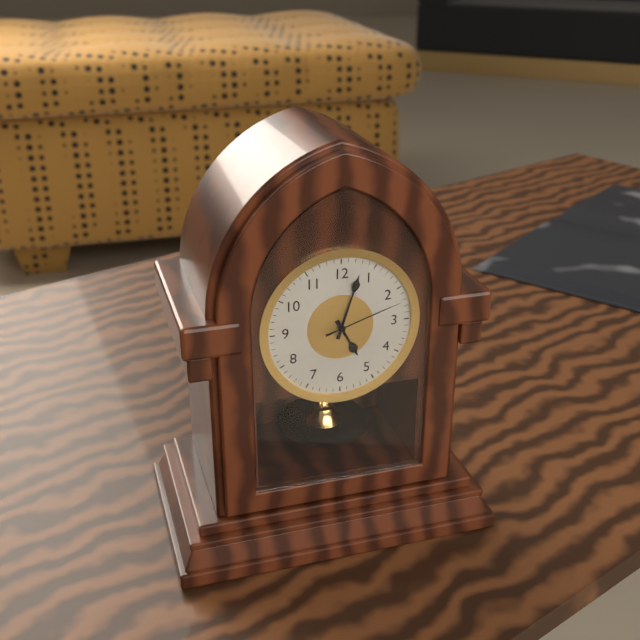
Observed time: 5:03:12
